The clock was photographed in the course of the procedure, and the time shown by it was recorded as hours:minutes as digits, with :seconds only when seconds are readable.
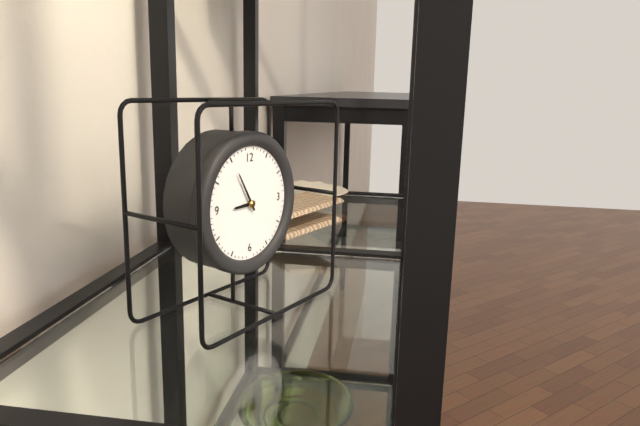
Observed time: 8:55
